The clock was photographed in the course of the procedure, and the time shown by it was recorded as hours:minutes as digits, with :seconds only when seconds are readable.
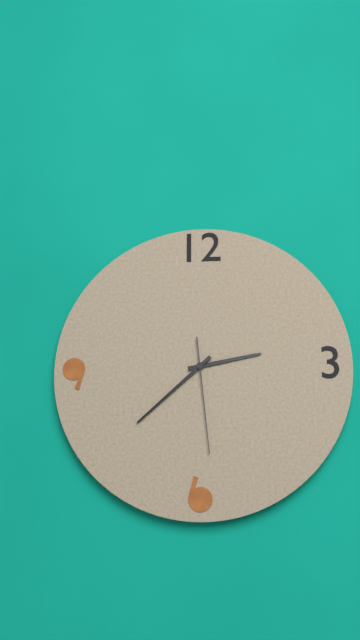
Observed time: 2:38:29
